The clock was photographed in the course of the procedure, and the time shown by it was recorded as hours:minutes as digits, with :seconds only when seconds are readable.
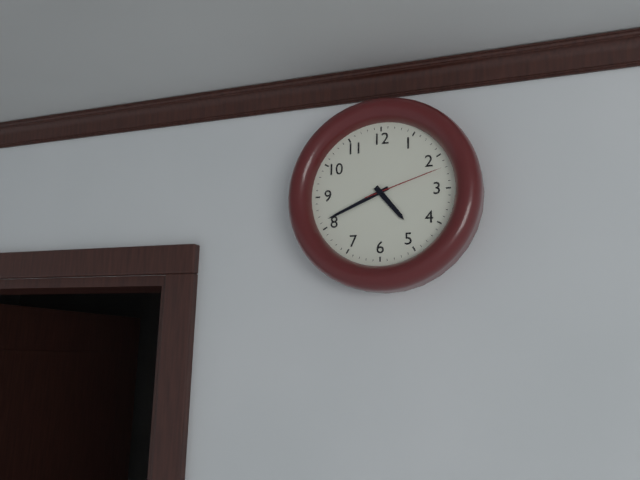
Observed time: 4:41:12
